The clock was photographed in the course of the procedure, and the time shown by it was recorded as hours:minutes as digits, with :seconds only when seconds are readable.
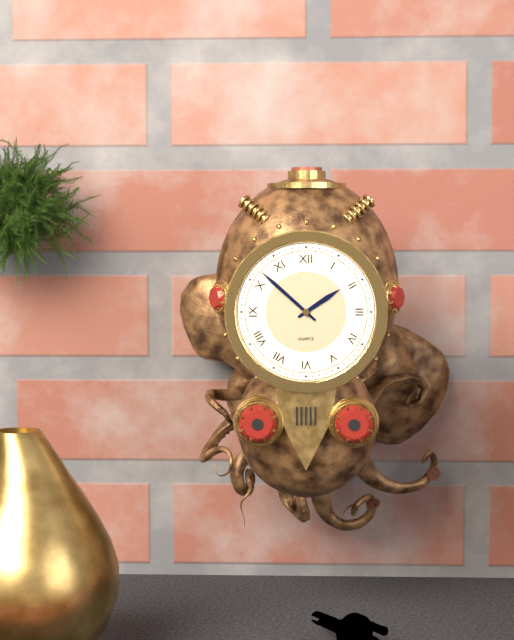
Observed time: 1:52
